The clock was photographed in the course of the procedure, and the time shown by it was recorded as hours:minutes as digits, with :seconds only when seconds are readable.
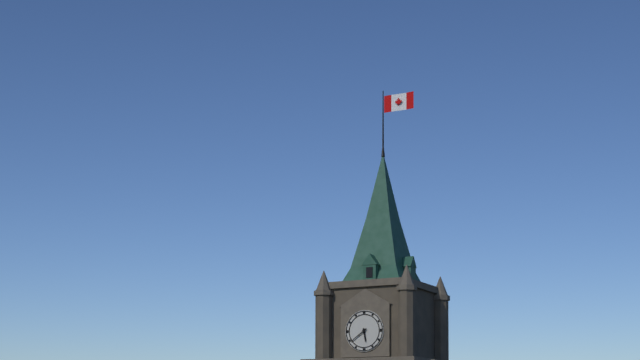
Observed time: 5:39
